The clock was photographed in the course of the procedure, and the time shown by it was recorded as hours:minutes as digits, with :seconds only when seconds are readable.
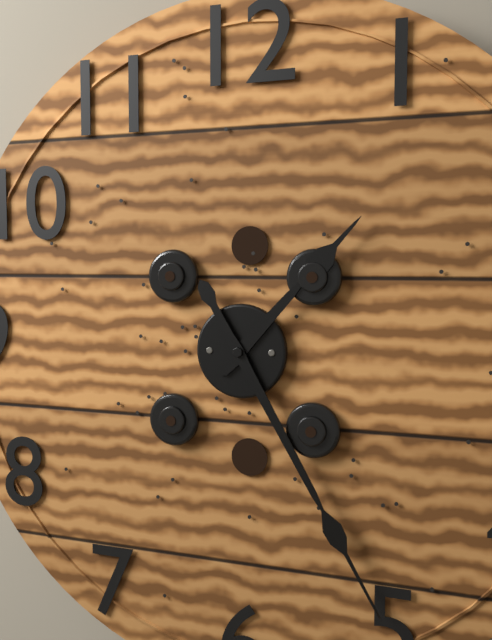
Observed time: 1:25
